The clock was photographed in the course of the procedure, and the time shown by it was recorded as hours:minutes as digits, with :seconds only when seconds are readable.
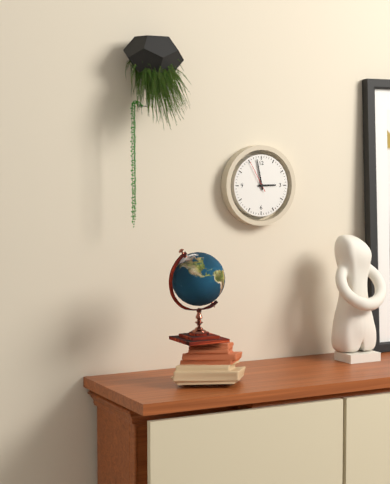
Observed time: 2:58
